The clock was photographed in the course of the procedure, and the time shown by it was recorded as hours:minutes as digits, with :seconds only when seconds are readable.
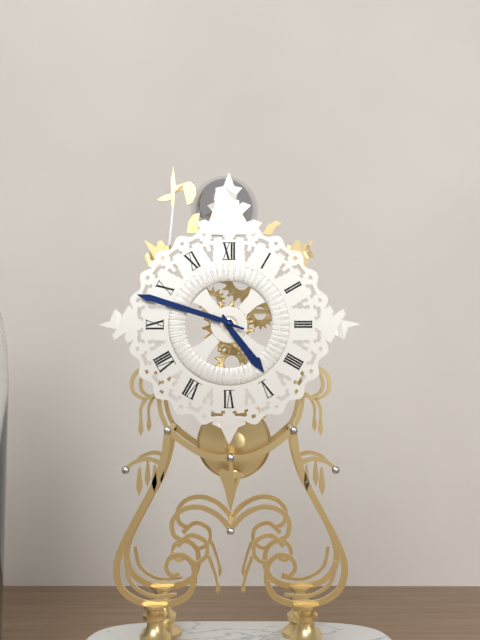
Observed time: 4:48
